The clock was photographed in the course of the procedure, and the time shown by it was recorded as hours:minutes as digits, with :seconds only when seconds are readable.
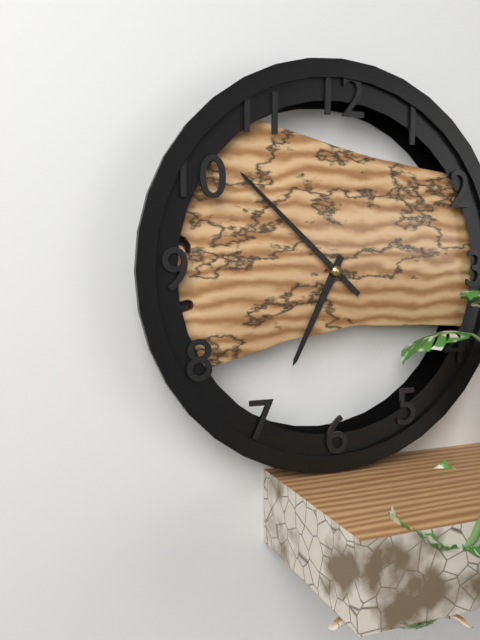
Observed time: 6:52
